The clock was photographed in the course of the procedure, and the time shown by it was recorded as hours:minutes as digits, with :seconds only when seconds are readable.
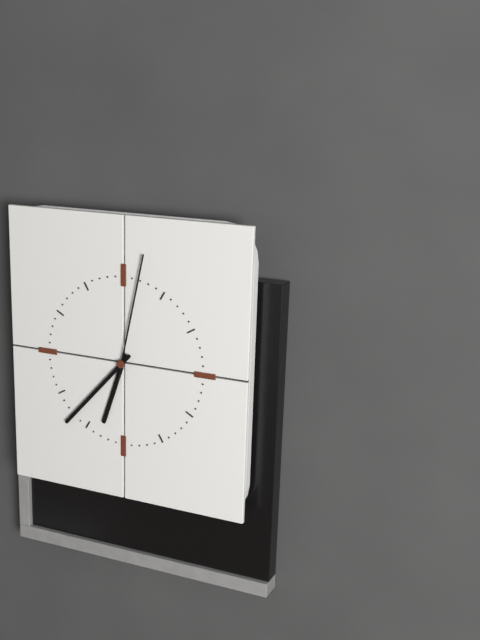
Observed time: 6:37:02
